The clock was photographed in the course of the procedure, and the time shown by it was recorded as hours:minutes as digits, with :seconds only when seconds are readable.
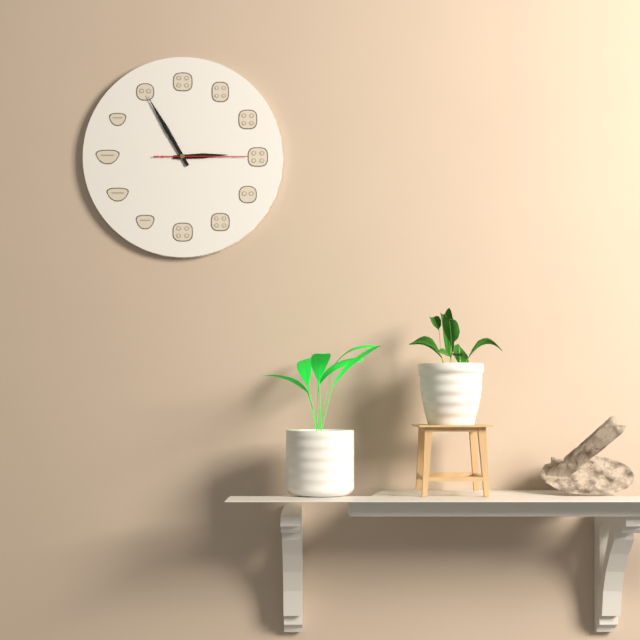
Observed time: 2:55:15
